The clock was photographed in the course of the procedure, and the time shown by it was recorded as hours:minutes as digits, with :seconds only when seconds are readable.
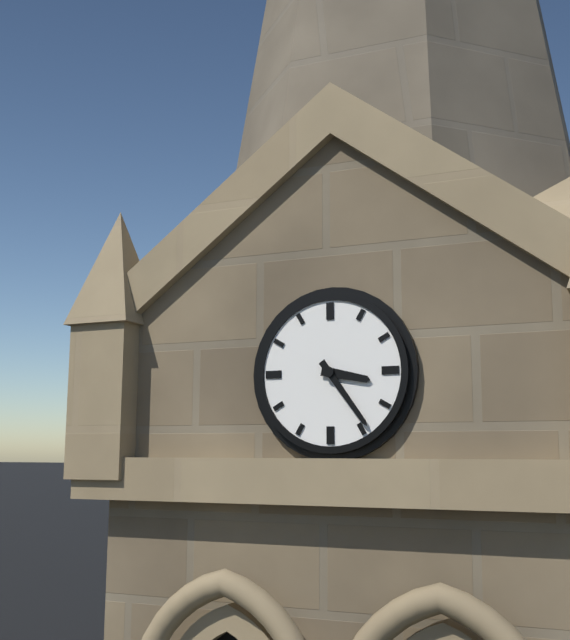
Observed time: 3:24
